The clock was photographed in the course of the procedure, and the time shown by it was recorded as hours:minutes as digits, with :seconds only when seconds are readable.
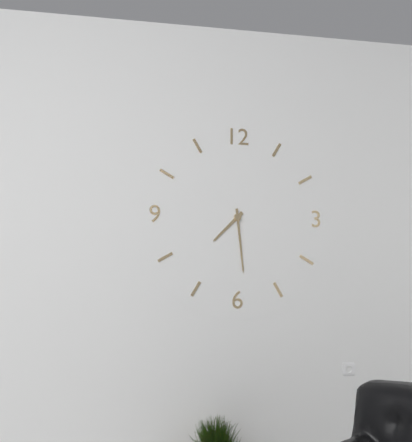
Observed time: 7:29
